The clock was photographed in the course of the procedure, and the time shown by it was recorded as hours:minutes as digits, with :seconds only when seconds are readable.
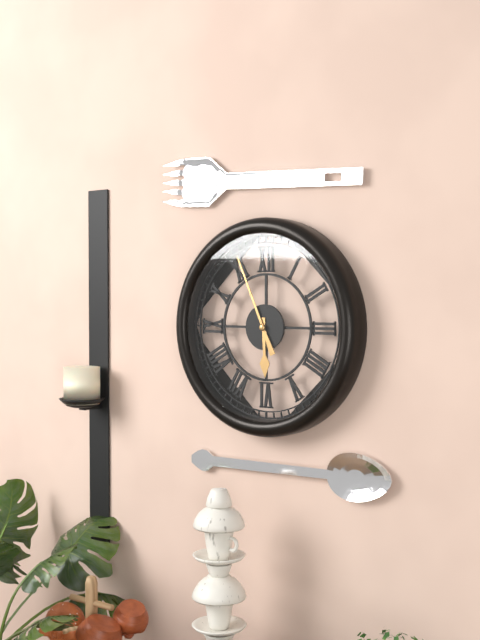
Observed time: 5:56
